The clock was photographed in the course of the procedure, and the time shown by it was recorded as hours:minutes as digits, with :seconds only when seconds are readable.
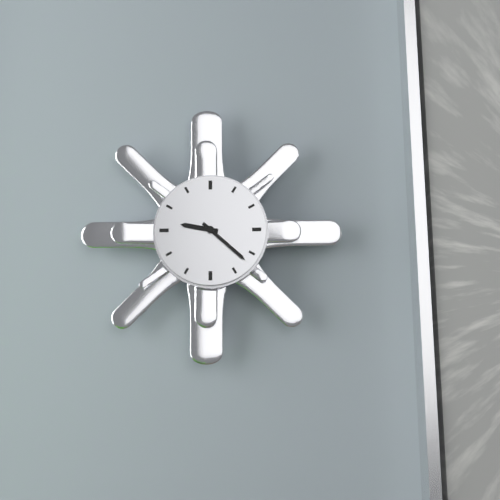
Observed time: 9:22
